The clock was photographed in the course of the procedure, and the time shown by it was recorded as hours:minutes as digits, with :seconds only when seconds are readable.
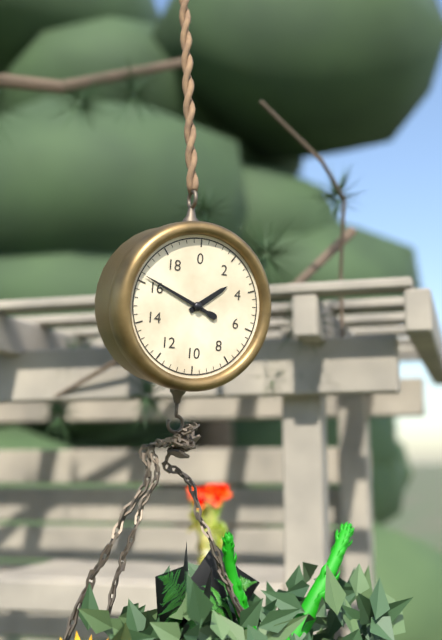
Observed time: 1:49
